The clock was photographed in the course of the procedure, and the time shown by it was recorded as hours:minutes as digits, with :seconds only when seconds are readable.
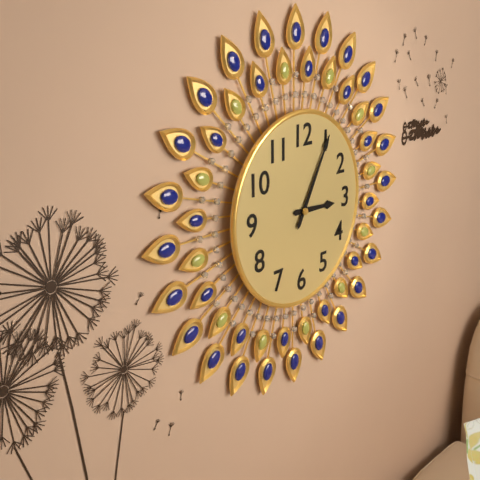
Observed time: 3:05
